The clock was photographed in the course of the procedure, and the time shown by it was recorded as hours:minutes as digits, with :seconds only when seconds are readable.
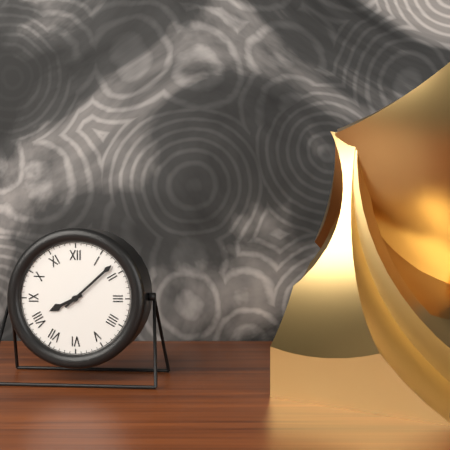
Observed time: 8:08
